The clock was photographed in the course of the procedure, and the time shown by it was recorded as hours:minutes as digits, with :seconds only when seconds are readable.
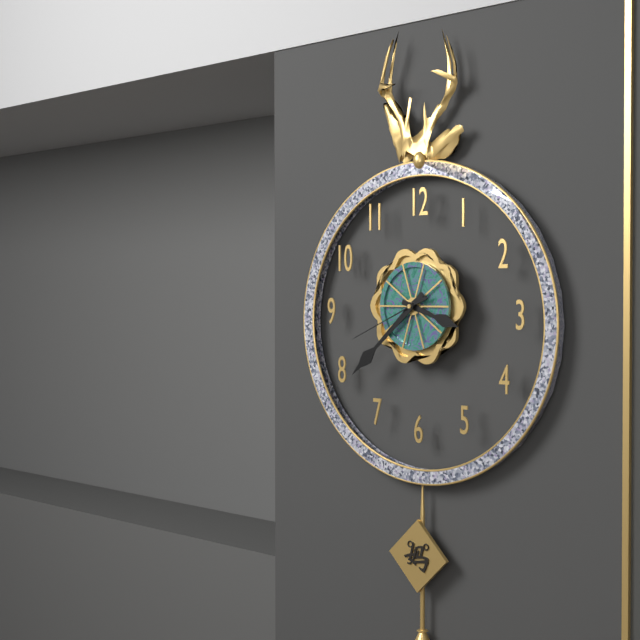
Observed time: 3:38:41
